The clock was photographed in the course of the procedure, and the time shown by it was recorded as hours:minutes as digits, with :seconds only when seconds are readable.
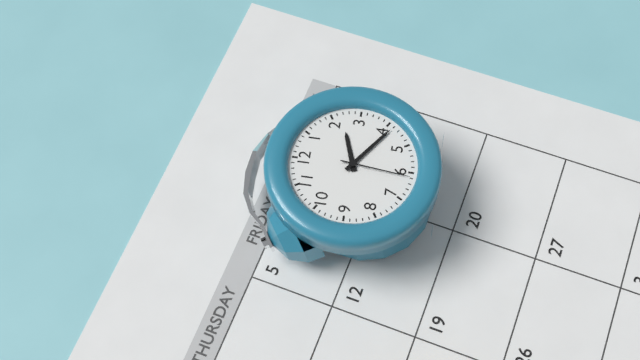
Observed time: 2:21:31
